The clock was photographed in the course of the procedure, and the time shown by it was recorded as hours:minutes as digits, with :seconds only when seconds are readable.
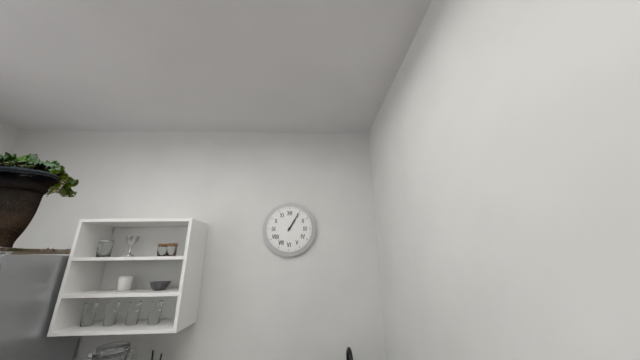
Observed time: 1:05
